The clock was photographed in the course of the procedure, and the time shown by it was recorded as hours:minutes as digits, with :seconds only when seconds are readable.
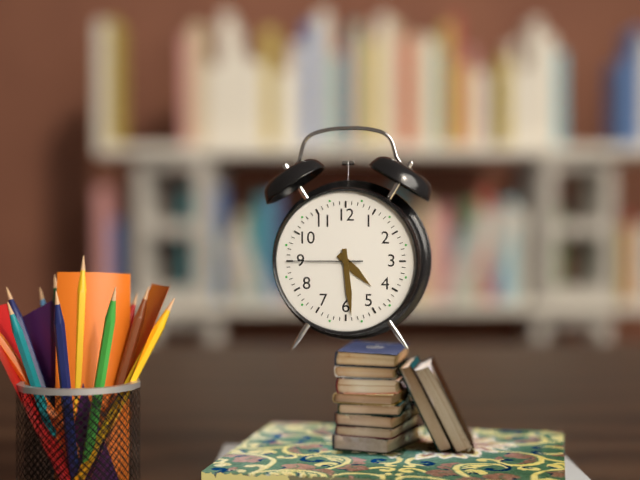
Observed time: 4:29:45
